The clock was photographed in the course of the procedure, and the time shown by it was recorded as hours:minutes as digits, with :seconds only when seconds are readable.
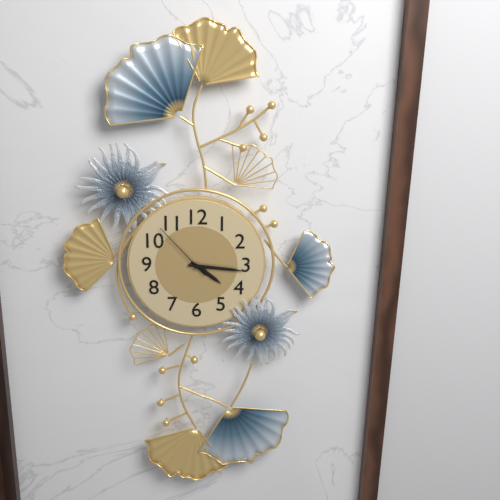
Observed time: 4:16:53
